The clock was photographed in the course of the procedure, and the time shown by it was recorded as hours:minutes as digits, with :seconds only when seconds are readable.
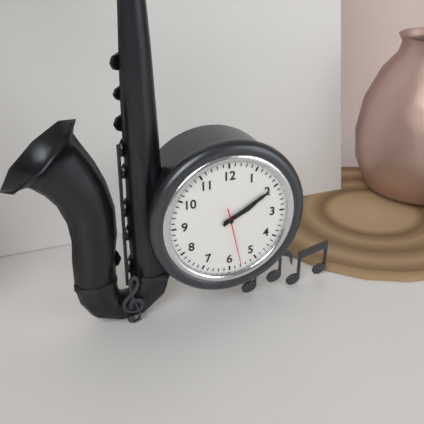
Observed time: 2:10:28
